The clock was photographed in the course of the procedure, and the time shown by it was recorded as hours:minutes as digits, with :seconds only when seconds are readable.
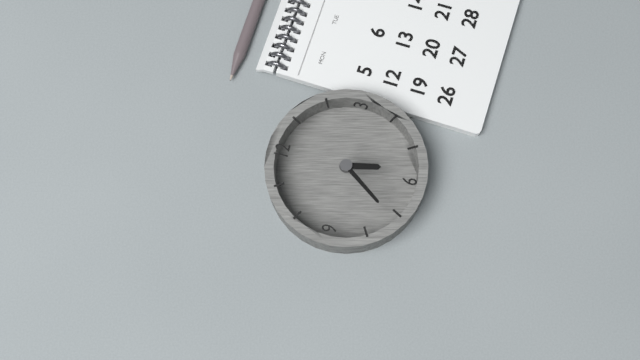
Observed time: 5:36
